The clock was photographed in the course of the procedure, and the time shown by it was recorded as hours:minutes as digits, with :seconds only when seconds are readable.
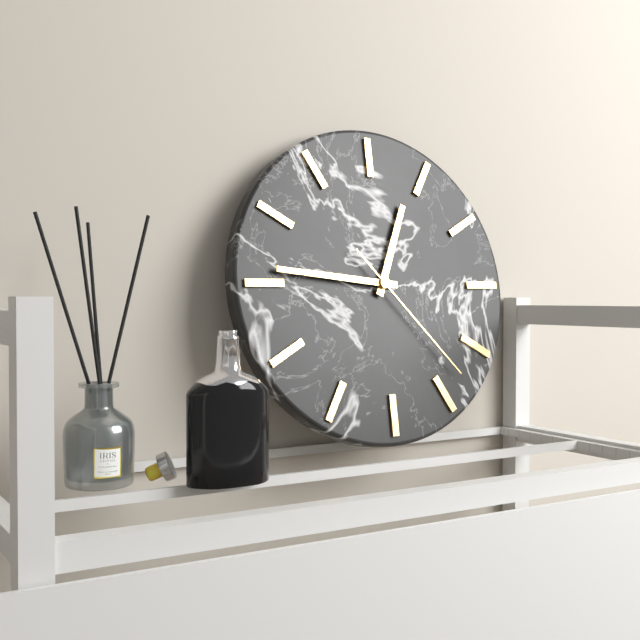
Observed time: 12:46:23
